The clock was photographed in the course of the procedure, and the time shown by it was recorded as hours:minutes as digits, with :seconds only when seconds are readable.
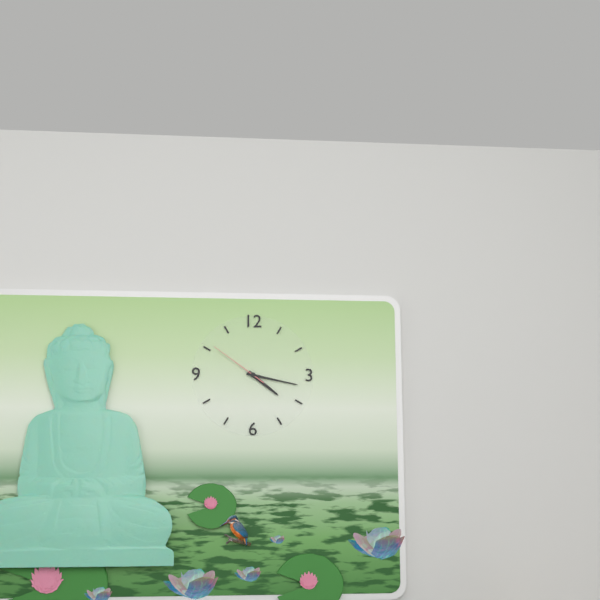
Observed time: 4:17:51
